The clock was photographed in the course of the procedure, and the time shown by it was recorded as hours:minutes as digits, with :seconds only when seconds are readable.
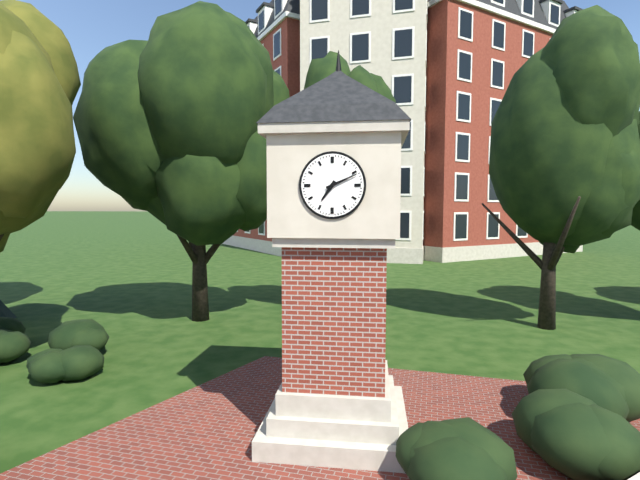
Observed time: 7:11
